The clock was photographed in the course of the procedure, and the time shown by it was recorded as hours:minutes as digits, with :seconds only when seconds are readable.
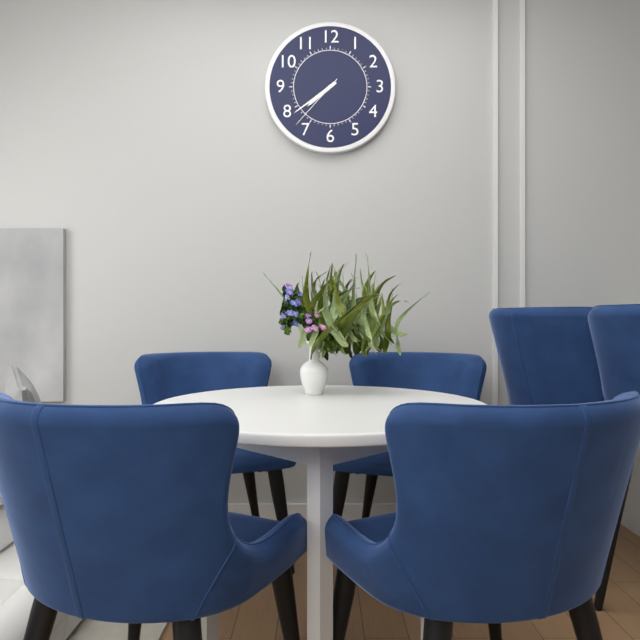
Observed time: 7:39:37
